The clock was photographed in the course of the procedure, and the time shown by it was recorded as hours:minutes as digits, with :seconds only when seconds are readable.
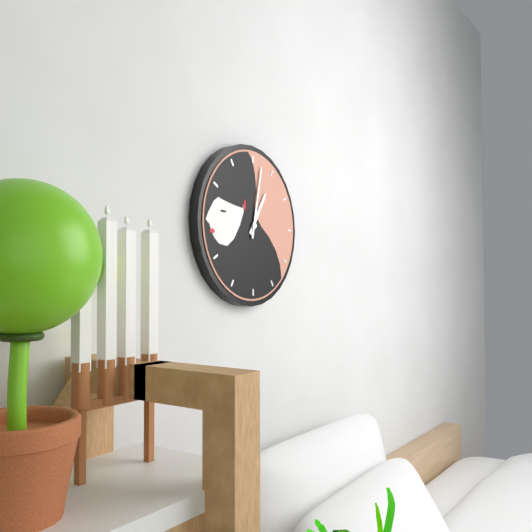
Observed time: 1:02
